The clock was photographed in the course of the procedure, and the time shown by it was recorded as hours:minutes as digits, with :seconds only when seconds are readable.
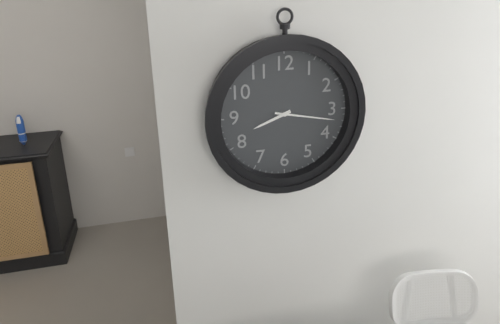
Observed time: 8:17
